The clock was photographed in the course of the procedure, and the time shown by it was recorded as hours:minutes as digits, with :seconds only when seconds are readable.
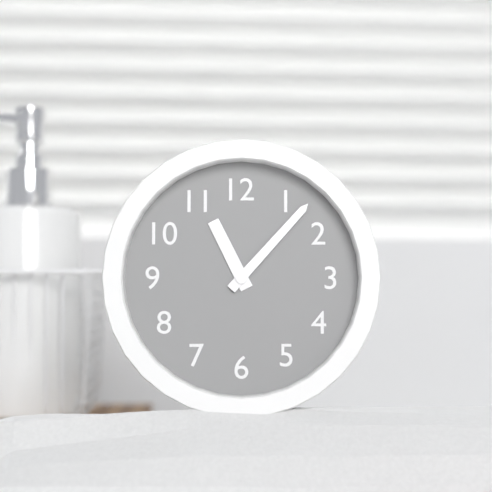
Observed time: 11:07
